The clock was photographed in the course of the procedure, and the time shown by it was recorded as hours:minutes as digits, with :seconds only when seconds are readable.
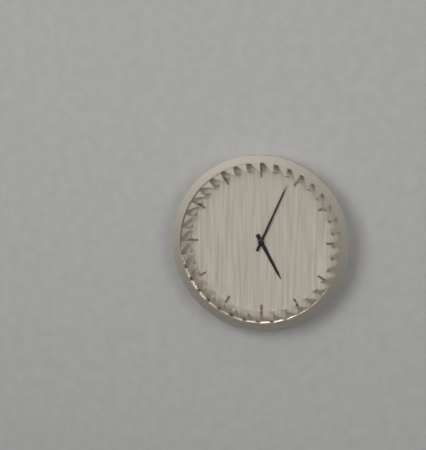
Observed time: 5:04
